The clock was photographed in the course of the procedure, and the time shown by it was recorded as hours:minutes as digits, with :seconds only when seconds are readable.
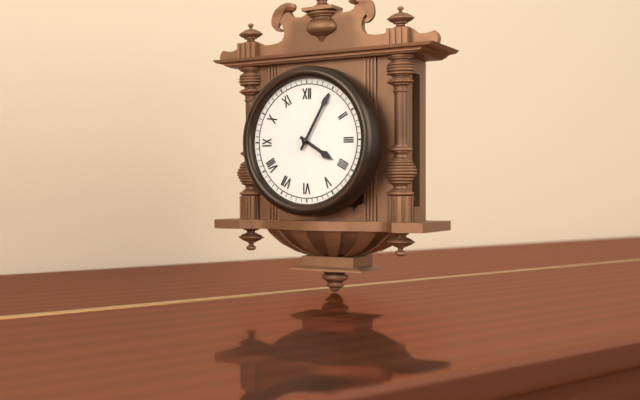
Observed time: 4:05
